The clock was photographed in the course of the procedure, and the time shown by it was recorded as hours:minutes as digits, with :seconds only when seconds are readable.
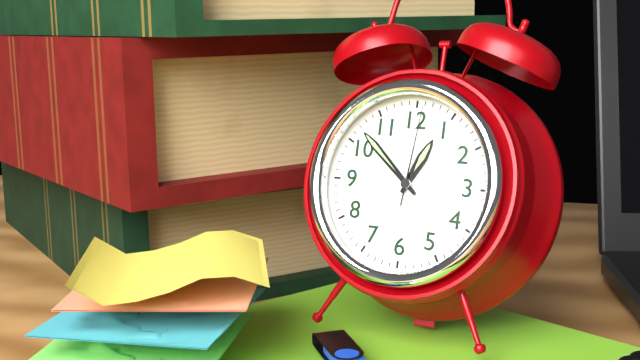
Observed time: 12:52:01
